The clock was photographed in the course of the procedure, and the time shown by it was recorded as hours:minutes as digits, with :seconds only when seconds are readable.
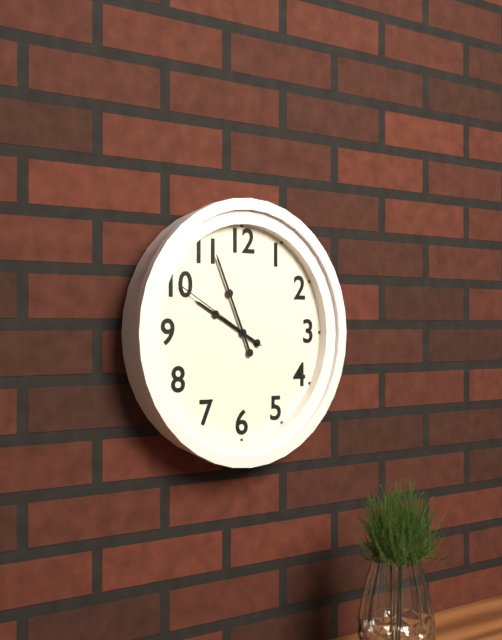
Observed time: 9:56:50
